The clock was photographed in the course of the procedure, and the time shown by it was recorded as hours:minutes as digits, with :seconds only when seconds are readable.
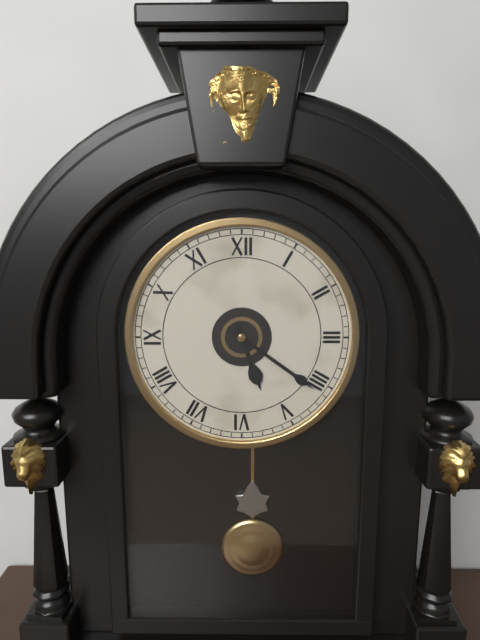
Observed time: 5:21
